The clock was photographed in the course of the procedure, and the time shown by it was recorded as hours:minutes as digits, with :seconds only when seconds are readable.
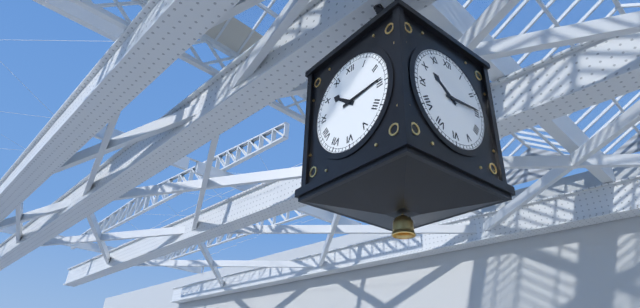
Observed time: 10:14
